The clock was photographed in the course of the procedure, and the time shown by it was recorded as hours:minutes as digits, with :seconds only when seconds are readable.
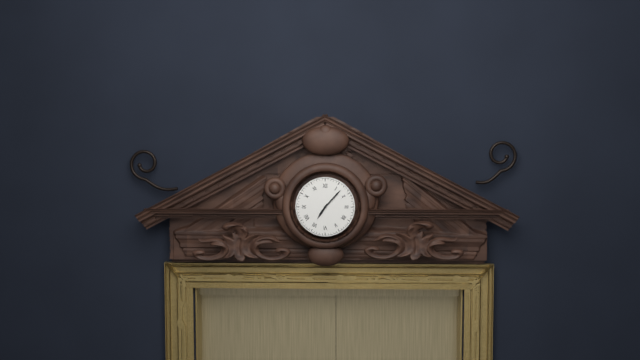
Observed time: 7:07
